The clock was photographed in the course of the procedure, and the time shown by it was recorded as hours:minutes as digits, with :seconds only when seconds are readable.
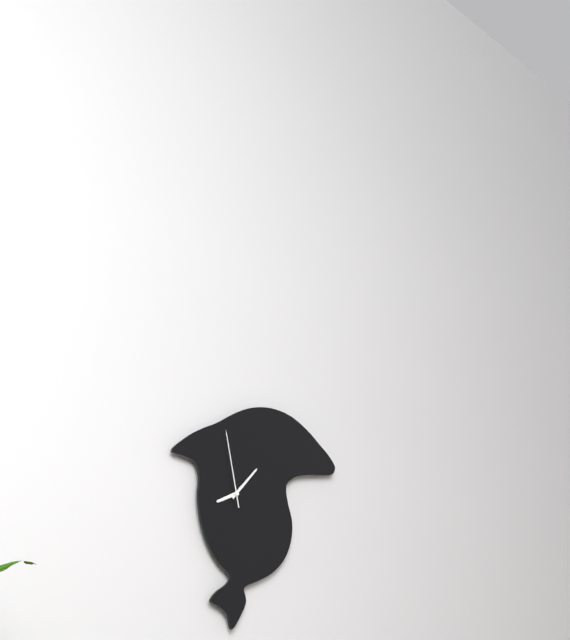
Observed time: 8:07:58
